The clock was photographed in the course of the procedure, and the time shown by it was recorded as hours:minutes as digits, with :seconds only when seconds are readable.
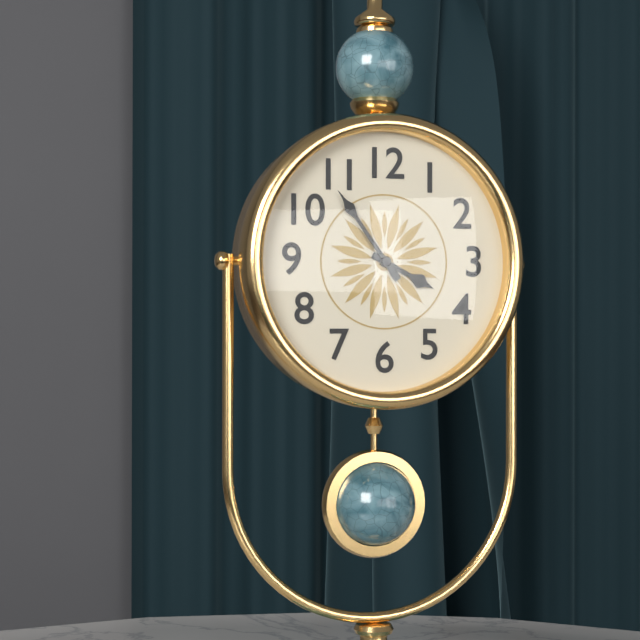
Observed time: 3:54
